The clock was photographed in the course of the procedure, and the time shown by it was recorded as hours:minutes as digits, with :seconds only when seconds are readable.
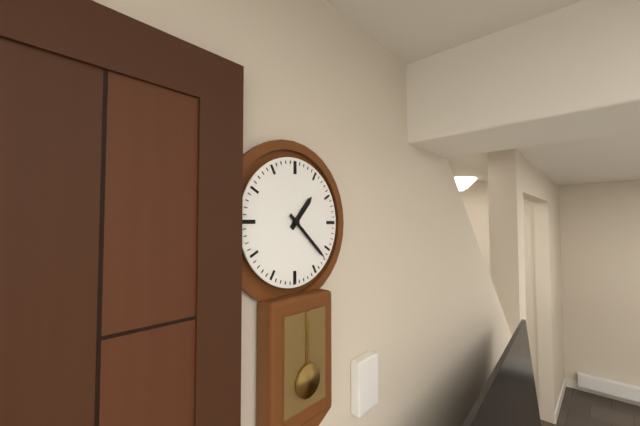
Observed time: 1:22
